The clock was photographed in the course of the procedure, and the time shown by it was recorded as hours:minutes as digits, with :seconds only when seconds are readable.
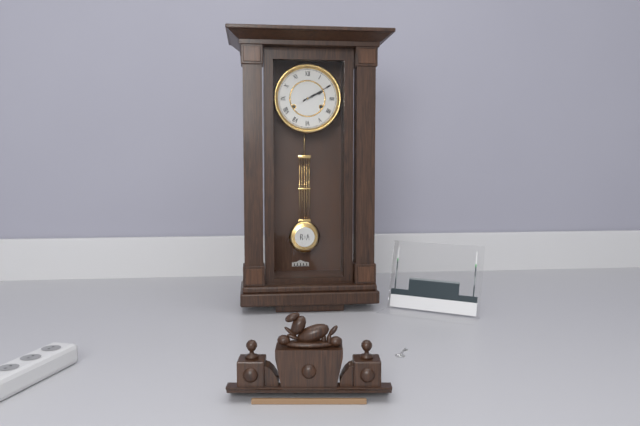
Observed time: 2:10
